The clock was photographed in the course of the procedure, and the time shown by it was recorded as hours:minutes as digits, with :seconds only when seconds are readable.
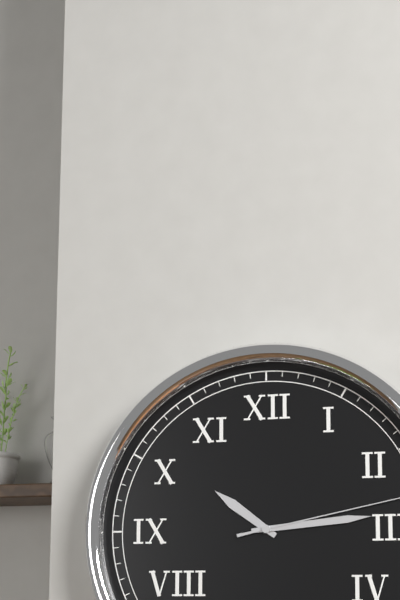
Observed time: 10:14
